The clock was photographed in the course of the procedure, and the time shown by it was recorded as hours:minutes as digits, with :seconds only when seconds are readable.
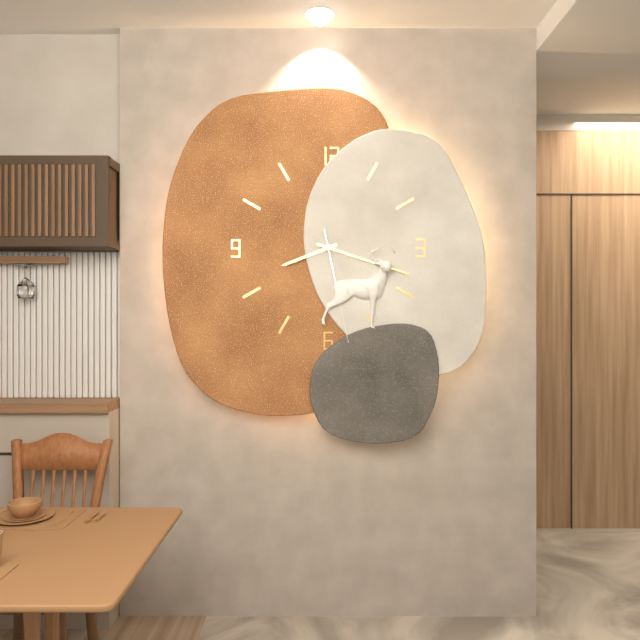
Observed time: 8:18:28
